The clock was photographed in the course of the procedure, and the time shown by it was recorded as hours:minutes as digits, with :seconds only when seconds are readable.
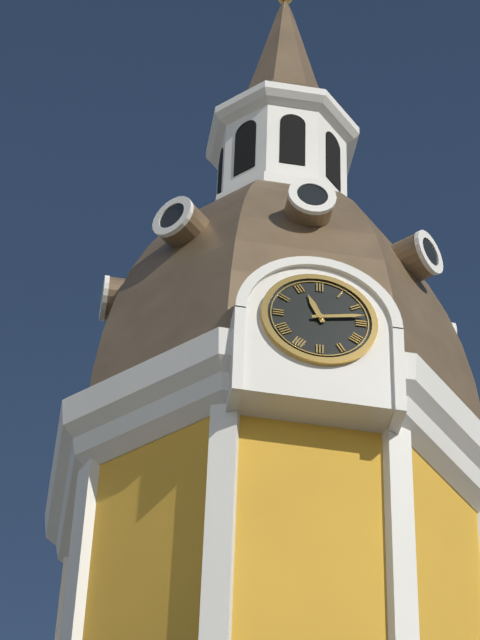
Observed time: 11:13
